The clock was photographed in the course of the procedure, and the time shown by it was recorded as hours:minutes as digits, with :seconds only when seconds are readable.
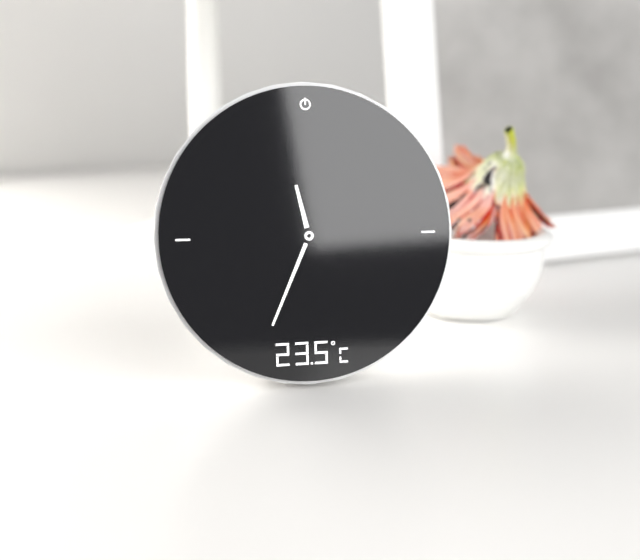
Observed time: 11:34
